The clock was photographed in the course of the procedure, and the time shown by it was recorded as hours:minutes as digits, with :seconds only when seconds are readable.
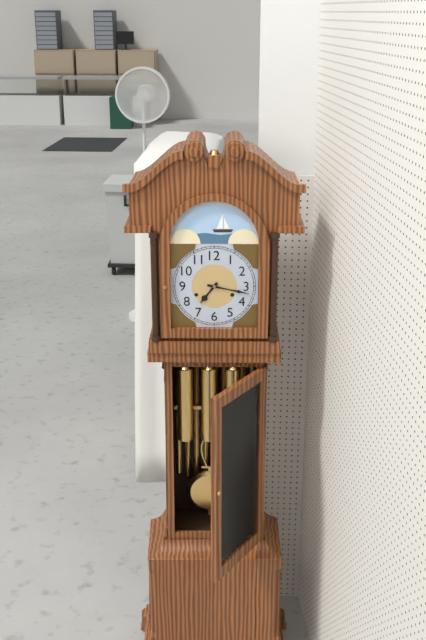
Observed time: 7:17
